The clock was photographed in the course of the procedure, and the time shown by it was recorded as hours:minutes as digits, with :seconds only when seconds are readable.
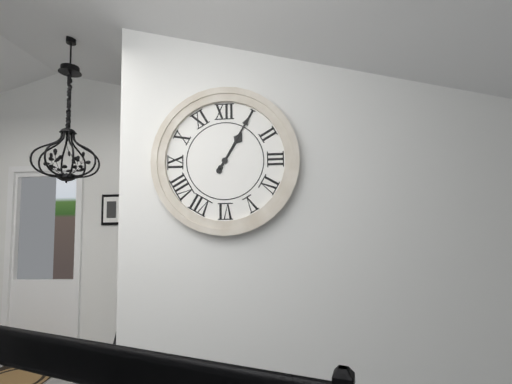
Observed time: 1:05
